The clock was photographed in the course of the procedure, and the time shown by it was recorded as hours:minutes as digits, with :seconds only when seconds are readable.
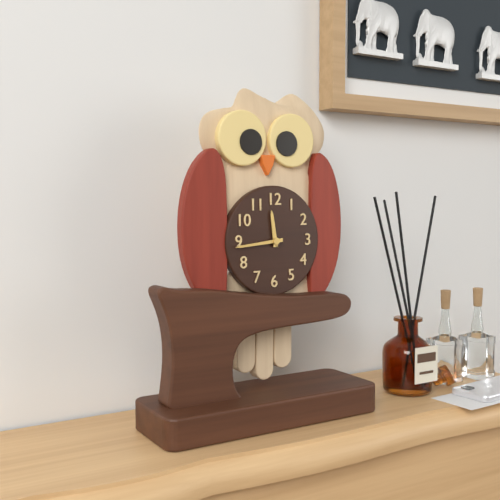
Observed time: 11:44
